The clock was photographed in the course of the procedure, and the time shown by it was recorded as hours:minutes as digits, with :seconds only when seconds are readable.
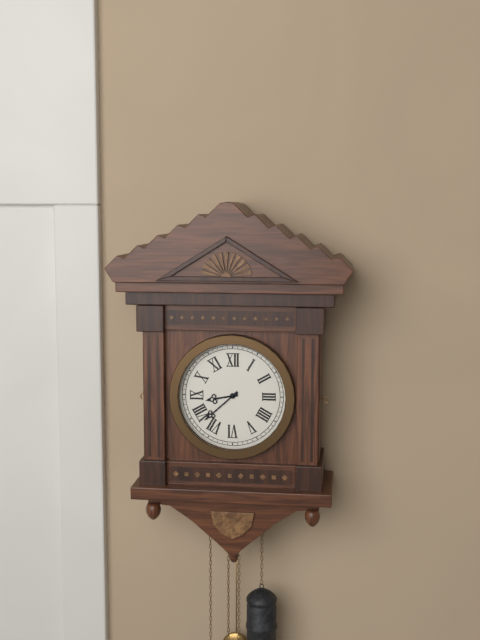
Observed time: 8:38
